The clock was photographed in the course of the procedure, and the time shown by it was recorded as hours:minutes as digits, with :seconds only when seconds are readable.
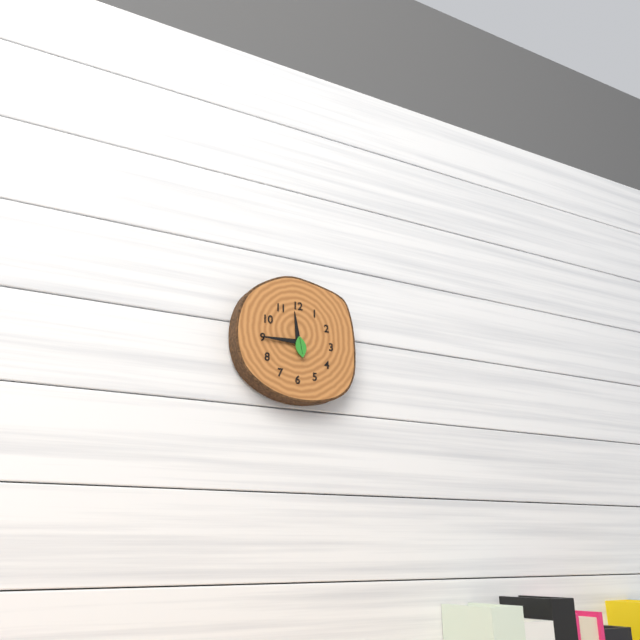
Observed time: 11:45
